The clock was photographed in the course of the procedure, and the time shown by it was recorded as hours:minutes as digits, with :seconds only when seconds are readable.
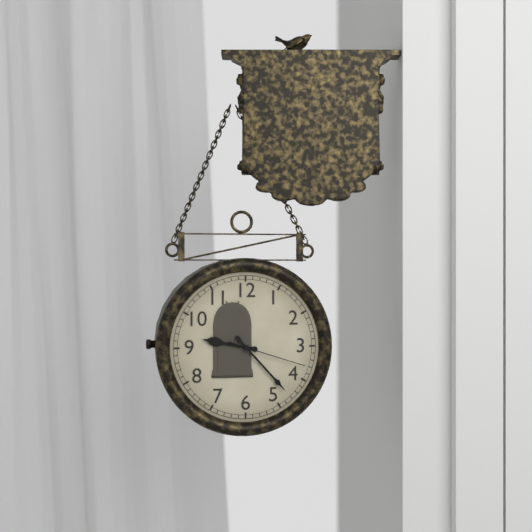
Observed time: 9:23:18
